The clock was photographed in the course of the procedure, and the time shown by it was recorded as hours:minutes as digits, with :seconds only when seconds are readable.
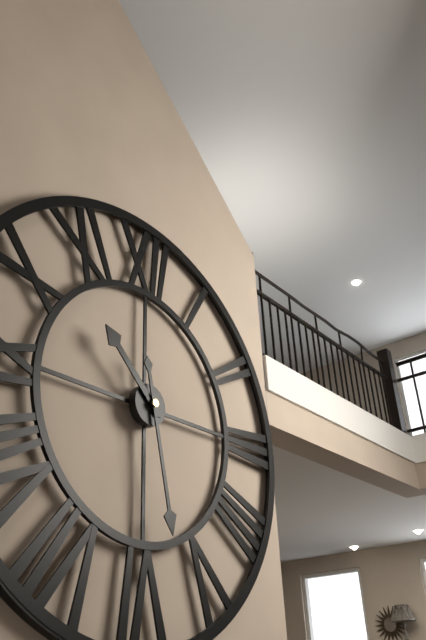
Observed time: 10:28
